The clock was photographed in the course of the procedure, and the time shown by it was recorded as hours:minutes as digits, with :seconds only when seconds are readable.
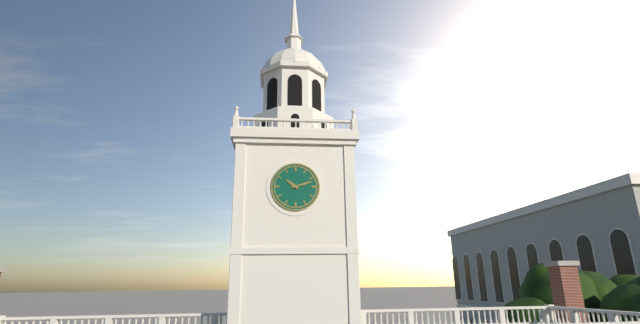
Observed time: 10:12
